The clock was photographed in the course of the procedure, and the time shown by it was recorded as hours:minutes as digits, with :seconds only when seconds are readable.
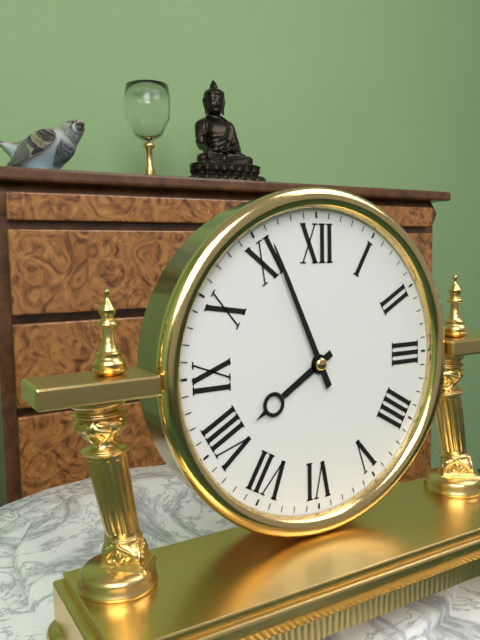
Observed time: 7:56
